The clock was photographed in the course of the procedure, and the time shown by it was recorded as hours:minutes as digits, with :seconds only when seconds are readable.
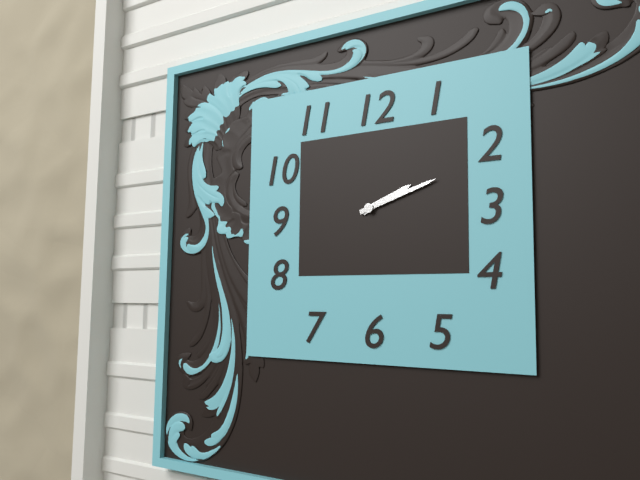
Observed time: 2:12
